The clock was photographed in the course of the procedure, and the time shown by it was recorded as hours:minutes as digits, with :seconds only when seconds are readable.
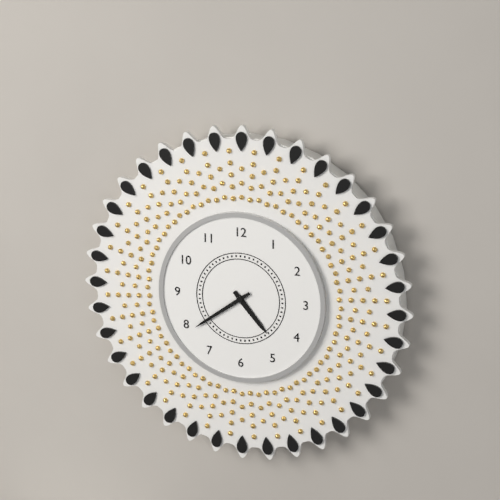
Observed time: 4:39
